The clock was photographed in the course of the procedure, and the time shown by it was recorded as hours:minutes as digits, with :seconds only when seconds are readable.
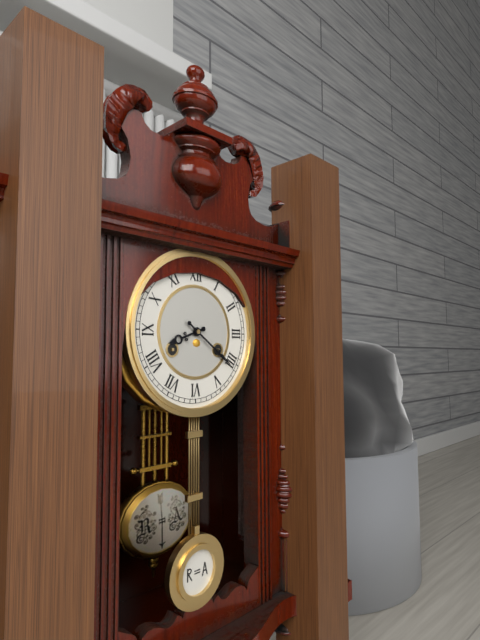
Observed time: 8:21
